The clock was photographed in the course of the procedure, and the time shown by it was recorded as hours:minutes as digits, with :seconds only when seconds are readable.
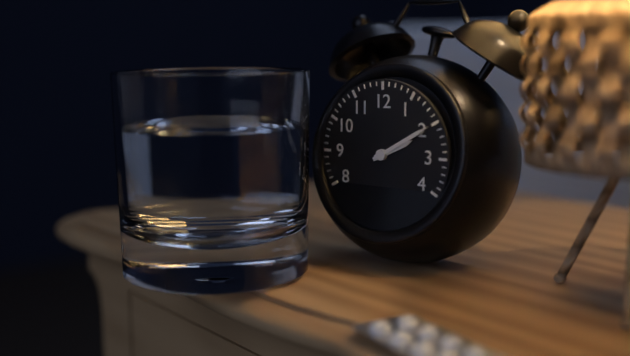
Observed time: 2:10
